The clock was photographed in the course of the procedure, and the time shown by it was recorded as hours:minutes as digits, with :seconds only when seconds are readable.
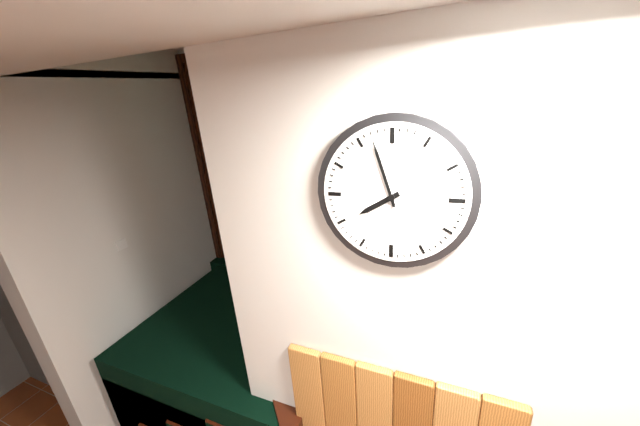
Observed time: 7:57
